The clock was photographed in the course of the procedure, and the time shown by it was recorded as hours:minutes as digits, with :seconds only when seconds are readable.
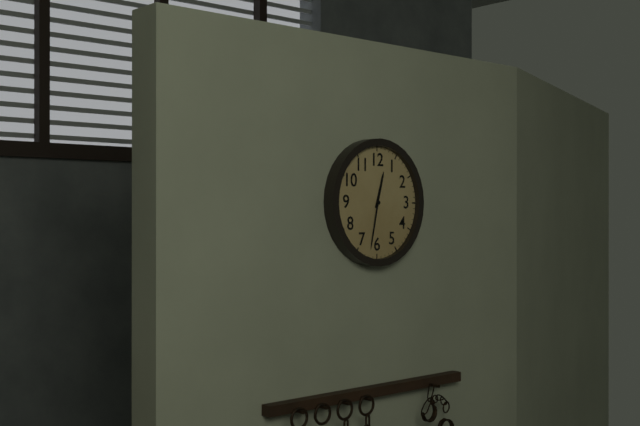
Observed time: 12:32
